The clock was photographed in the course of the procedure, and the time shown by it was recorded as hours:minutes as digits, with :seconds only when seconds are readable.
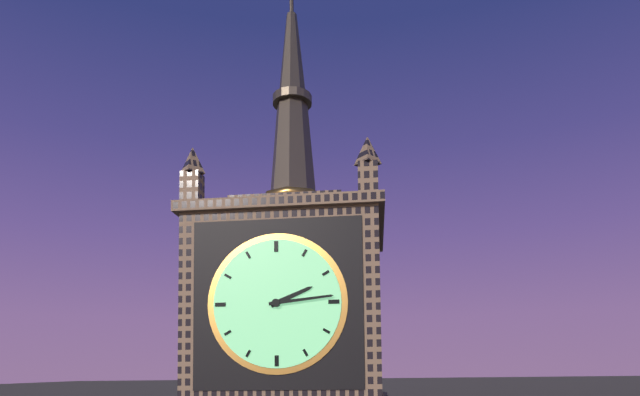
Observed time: 2:14
